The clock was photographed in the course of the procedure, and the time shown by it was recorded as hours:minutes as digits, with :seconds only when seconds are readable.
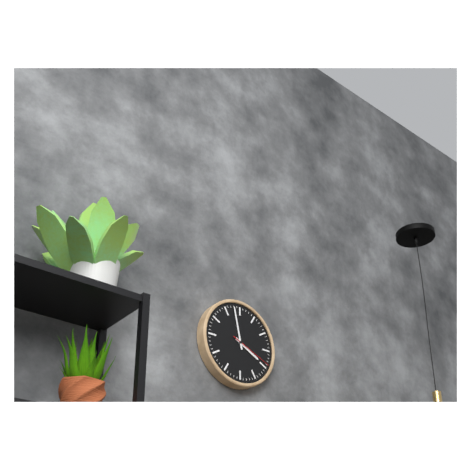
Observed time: 3:58:19
